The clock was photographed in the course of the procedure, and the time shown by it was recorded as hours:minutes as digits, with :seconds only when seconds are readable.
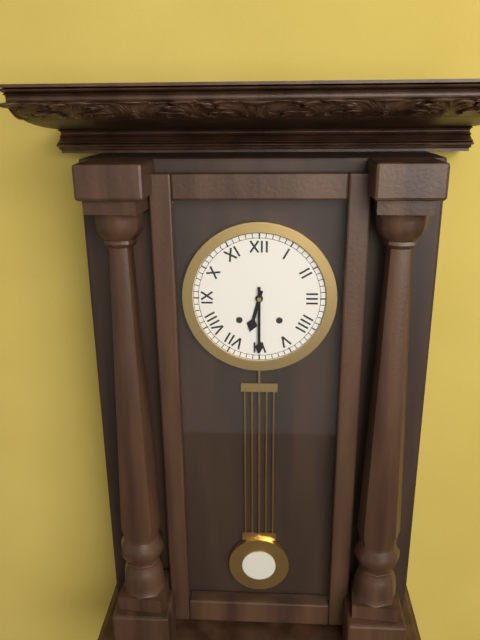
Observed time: 6:30
